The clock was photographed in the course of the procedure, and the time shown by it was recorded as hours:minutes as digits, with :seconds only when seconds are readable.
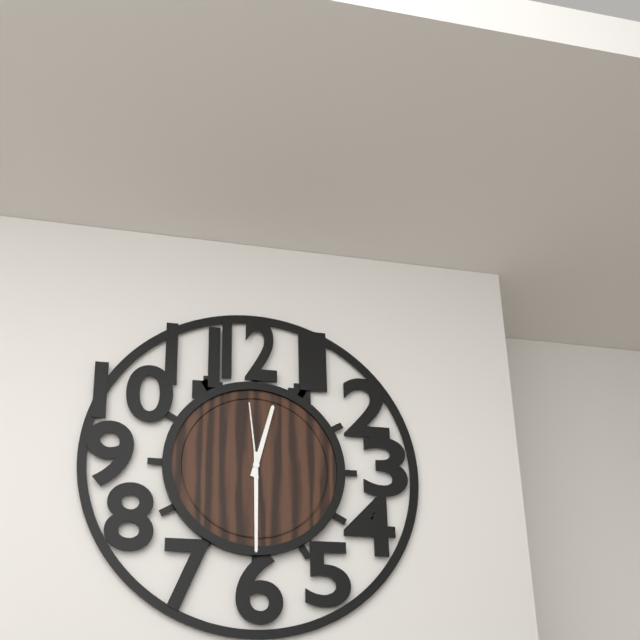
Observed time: 12:30:59
